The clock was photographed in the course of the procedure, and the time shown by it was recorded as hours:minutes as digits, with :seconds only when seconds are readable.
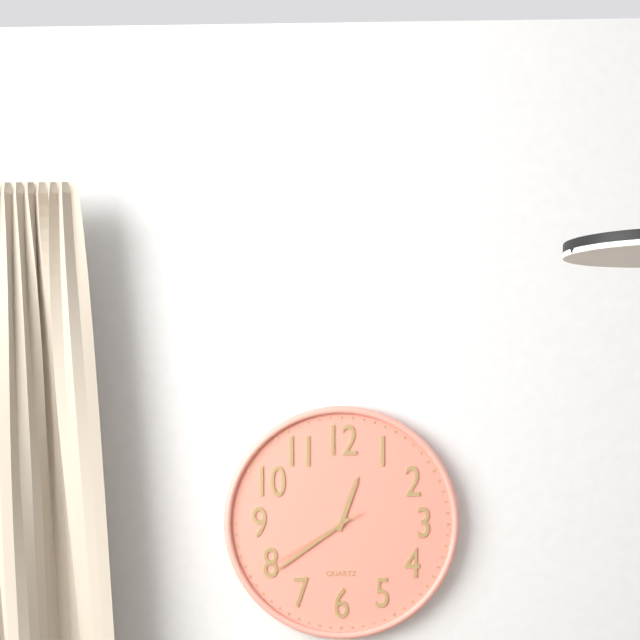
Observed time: 12:39:40
